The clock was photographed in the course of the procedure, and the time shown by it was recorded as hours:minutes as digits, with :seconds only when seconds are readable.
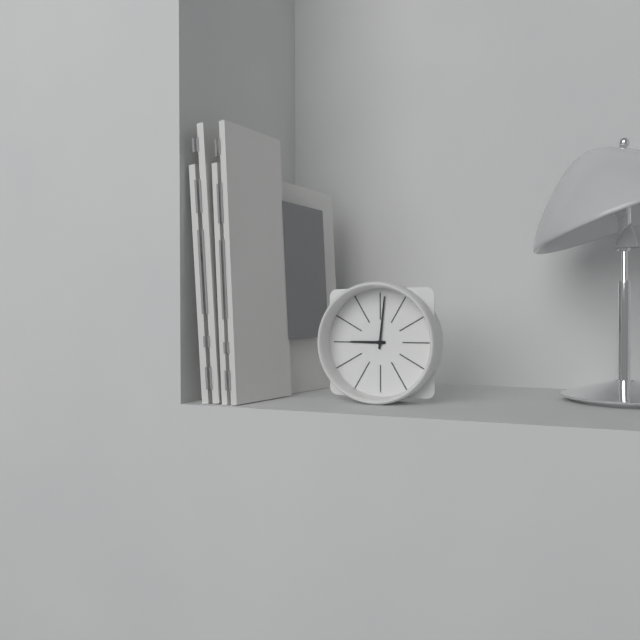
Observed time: 9:01
